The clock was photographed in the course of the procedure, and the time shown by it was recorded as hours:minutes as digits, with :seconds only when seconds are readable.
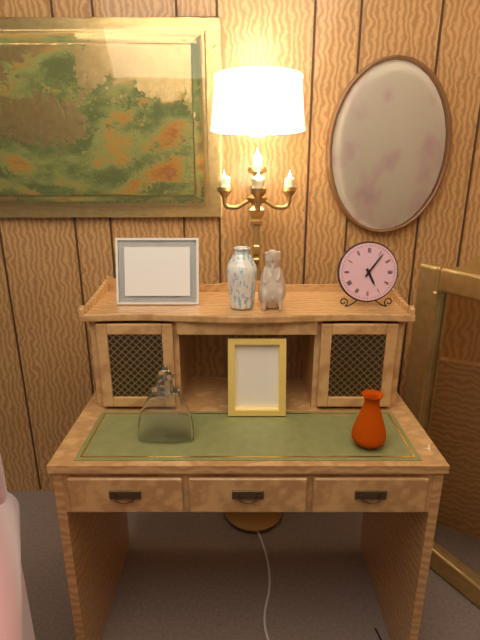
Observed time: 5:06
